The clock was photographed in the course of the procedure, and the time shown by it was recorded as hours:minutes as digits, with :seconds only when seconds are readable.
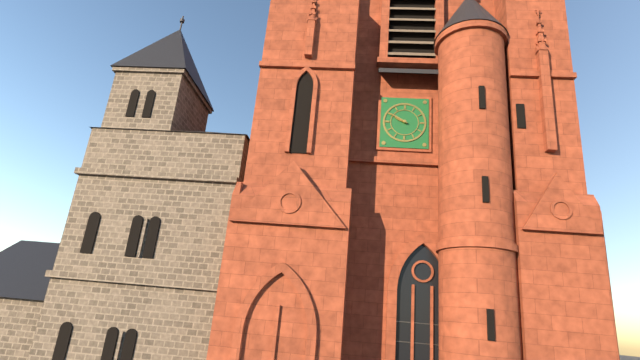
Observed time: 9:50
